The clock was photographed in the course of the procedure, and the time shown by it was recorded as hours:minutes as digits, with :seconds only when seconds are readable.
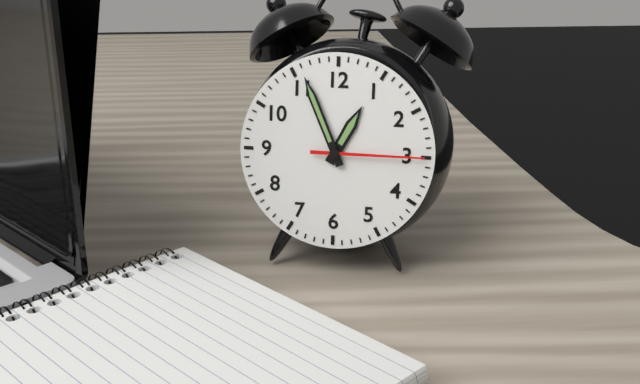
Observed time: 12:56:15
